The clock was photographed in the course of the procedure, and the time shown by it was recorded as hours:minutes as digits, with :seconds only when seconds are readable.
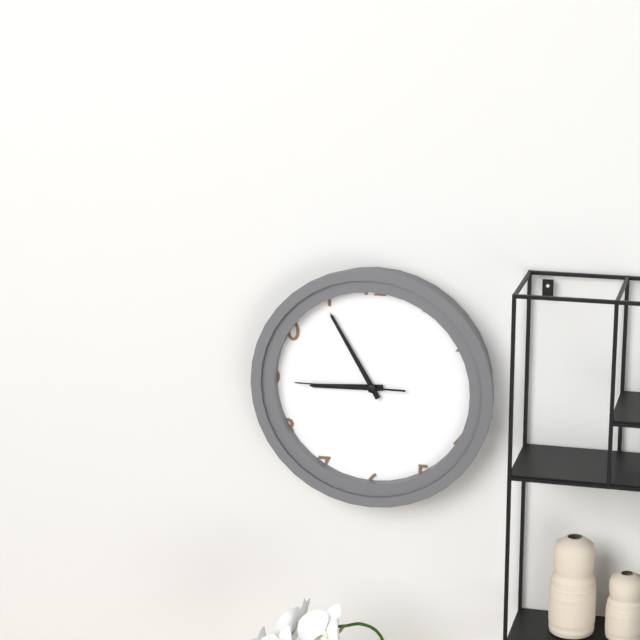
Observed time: 8:55:45
